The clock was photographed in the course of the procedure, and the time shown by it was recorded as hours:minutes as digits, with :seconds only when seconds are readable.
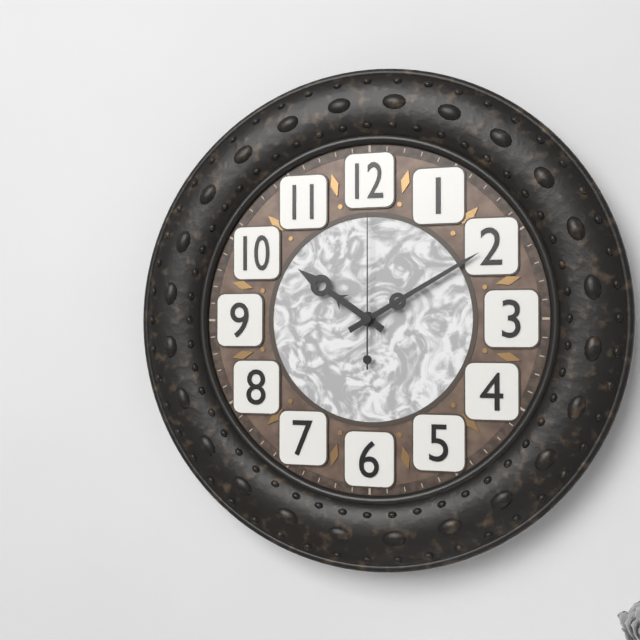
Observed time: 10:10:00
